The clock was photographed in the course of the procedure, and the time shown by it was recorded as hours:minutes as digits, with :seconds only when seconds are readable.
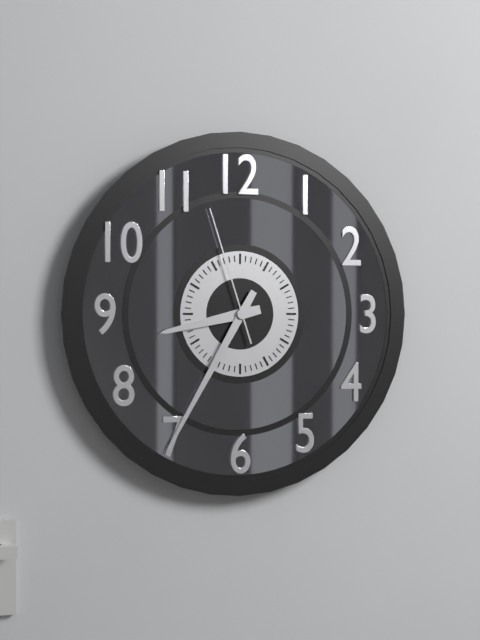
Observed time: 8:35:57
